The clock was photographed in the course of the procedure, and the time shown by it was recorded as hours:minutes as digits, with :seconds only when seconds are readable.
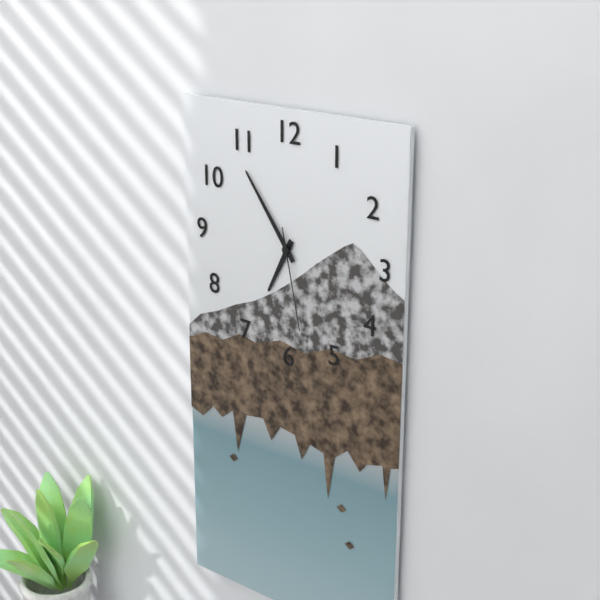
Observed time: 6:54:28
